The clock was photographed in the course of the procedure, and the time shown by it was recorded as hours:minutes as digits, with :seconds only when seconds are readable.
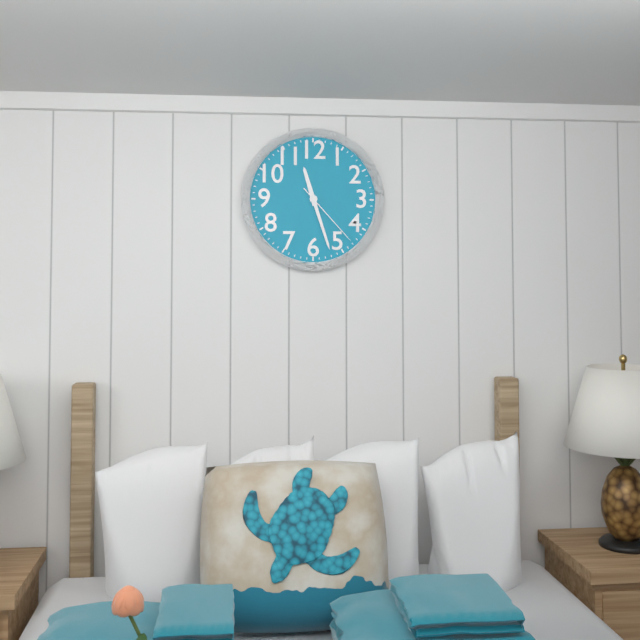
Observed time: 11:27:23
